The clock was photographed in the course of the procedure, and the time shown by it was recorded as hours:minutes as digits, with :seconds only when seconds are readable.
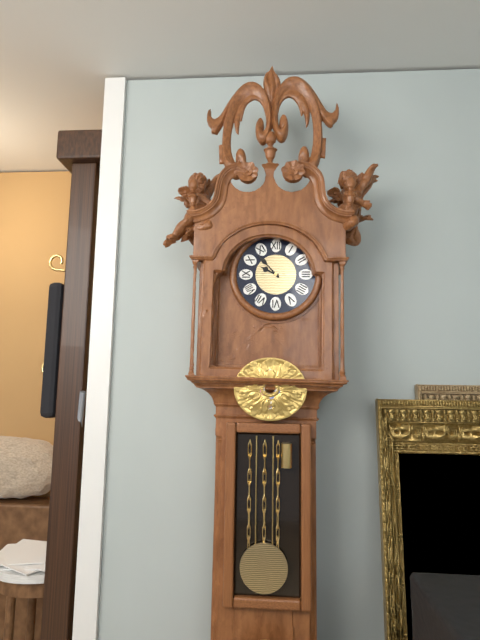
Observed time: 9:53
